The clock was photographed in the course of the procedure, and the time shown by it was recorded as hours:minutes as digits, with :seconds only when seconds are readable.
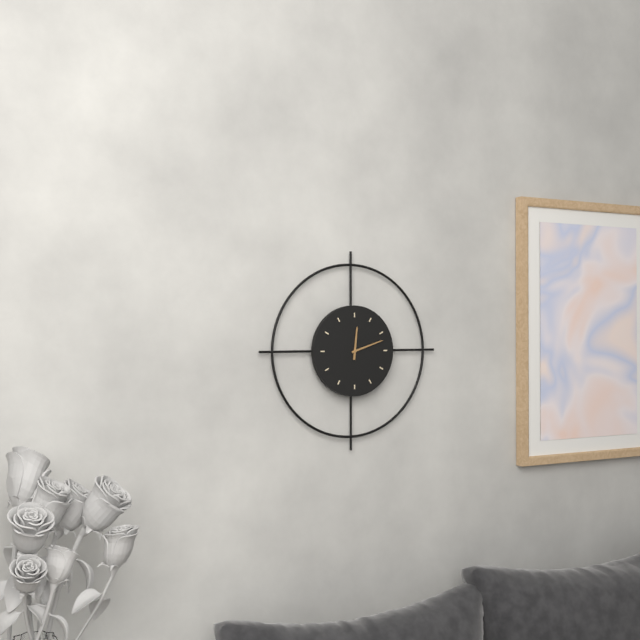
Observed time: 12:12
